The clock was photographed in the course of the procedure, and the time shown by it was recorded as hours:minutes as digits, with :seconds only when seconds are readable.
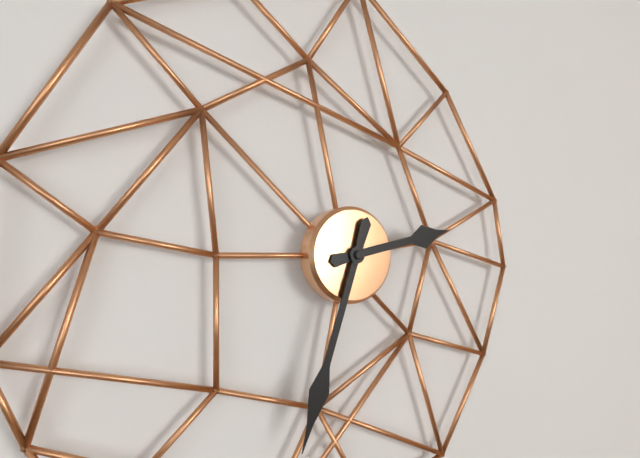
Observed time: 2:33
